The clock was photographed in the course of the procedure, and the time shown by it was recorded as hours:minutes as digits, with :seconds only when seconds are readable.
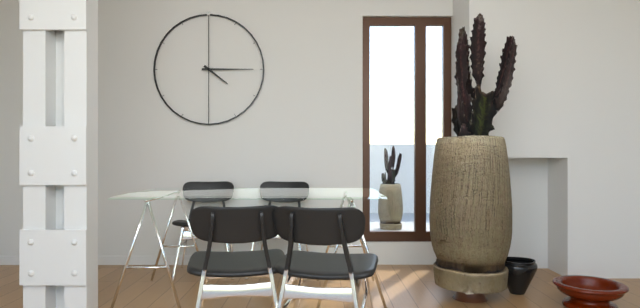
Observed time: 4:15
